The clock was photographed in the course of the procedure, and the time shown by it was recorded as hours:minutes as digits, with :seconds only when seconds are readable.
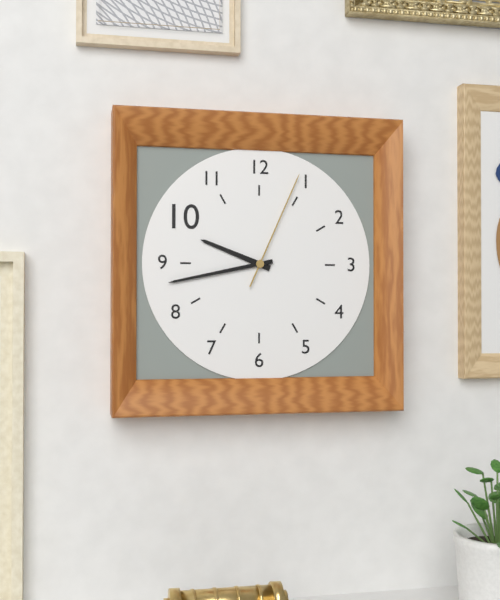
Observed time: 9:43:04
